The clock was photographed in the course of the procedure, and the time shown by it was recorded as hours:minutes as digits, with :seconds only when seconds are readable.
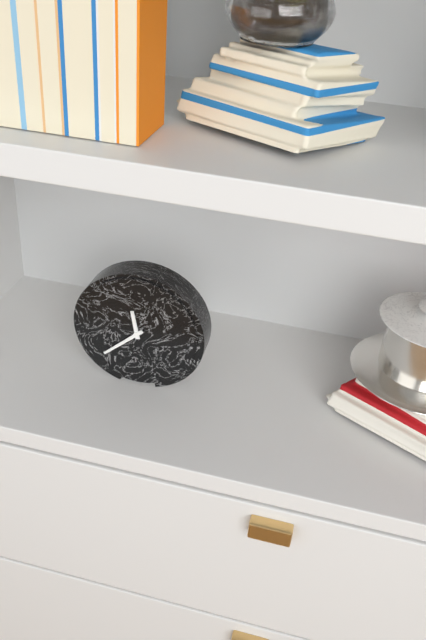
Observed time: 11:38
